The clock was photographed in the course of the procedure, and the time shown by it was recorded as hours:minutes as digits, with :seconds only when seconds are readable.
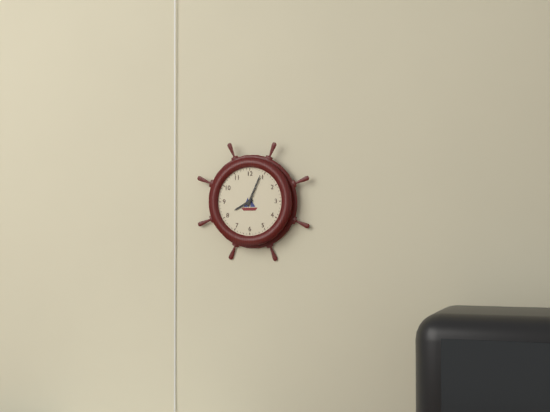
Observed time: 8:04
